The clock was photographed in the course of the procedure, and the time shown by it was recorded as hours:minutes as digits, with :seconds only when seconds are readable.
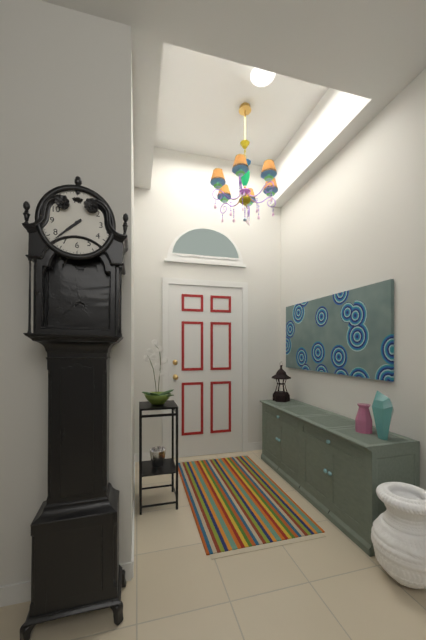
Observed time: 7:38
